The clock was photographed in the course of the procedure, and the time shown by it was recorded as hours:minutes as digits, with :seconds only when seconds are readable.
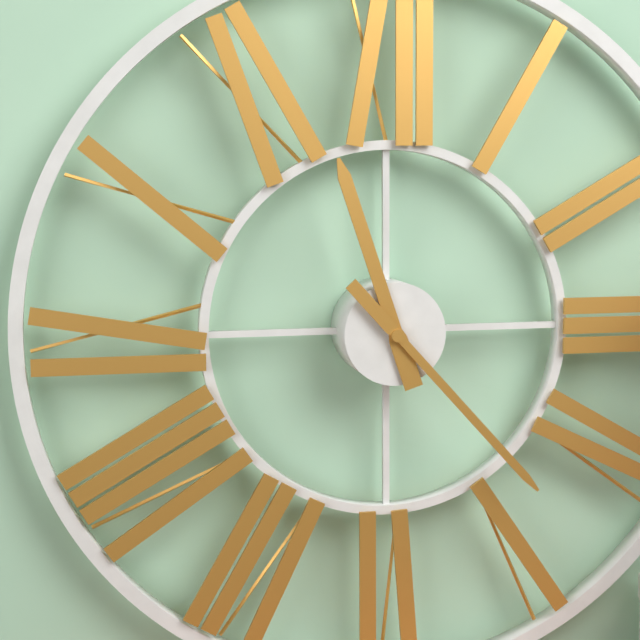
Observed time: 11:23
